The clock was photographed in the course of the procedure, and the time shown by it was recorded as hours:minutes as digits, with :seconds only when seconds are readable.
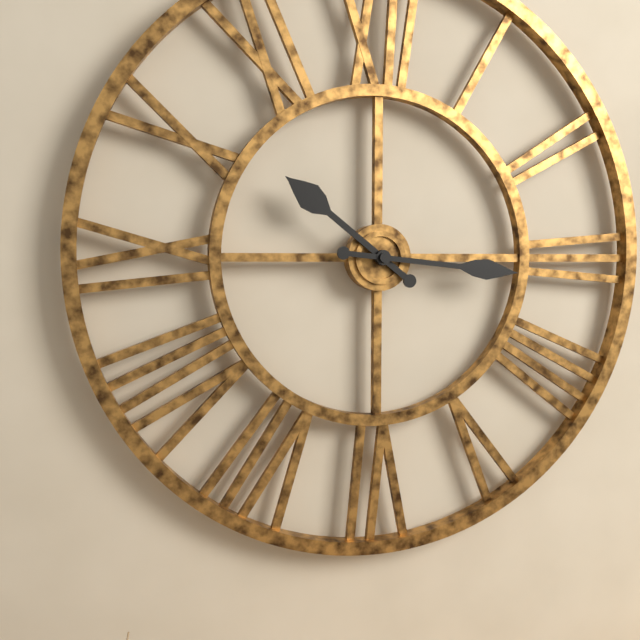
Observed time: 10:16
